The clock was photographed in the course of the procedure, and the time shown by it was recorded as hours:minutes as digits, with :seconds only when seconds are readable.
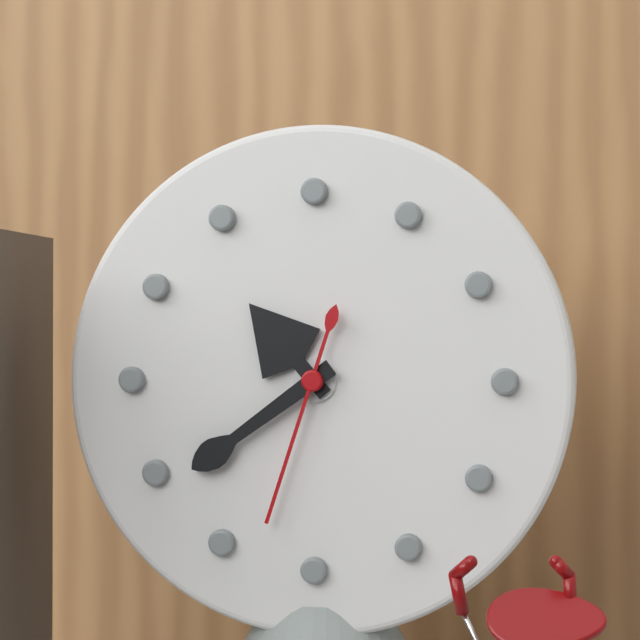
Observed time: 10:39:33
